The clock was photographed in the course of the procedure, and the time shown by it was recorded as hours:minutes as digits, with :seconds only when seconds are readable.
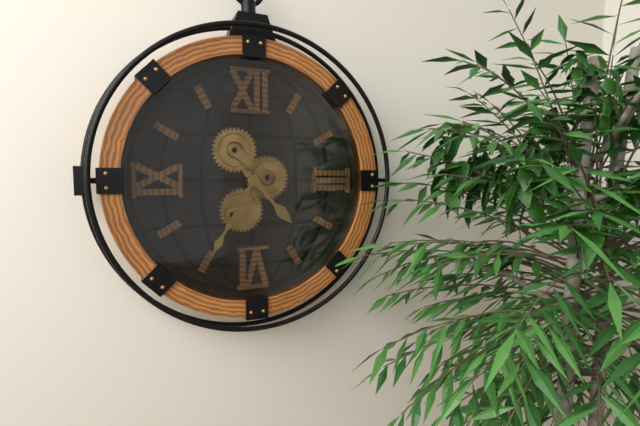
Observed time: 4:35
